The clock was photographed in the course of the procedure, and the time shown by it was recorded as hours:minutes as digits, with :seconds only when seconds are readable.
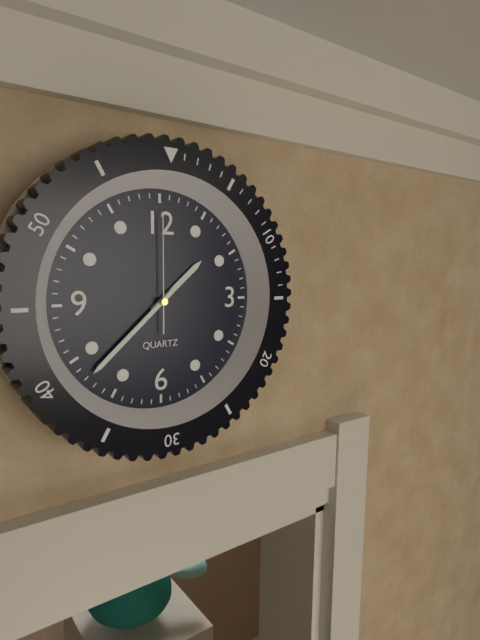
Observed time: 1:38:00
